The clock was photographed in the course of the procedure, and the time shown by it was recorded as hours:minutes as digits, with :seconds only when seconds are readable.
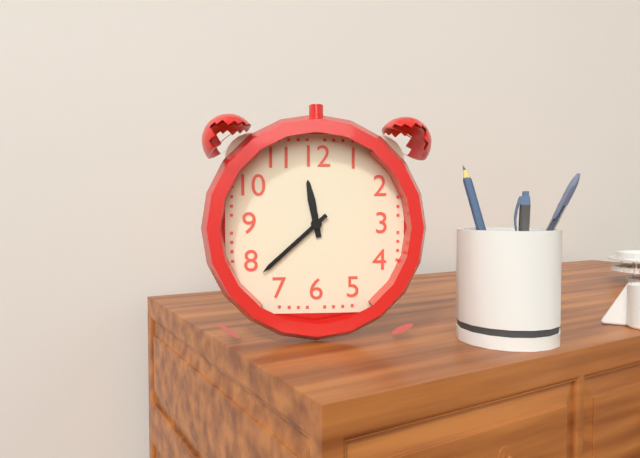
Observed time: 11:38
